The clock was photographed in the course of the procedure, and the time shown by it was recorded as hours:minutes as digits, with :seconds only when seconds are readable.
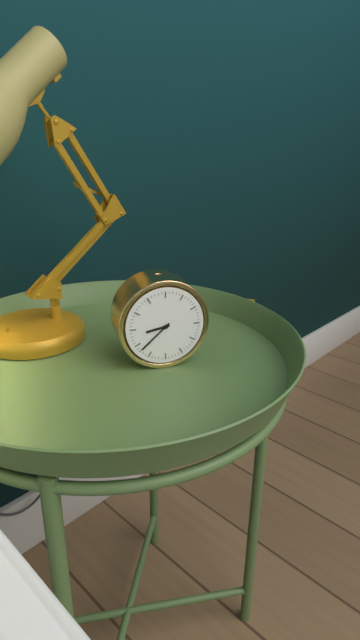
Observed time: 8:38
